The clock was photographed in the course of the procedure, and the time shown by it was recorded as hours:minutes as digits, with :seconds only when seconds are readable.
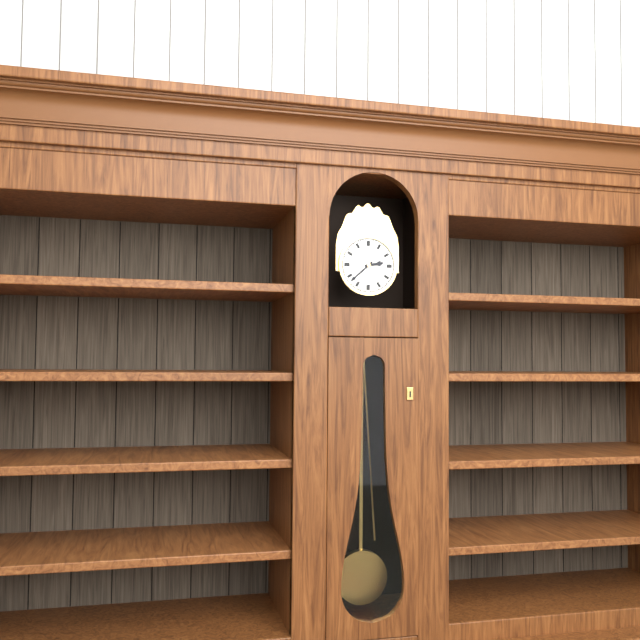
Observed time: 2:38
